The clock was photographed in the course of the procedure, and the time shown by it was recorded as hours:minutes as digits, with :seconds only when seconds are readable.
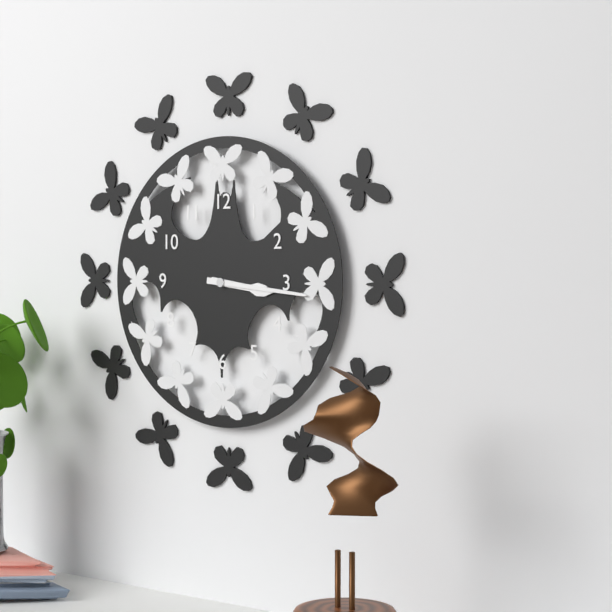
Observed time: 3:16
